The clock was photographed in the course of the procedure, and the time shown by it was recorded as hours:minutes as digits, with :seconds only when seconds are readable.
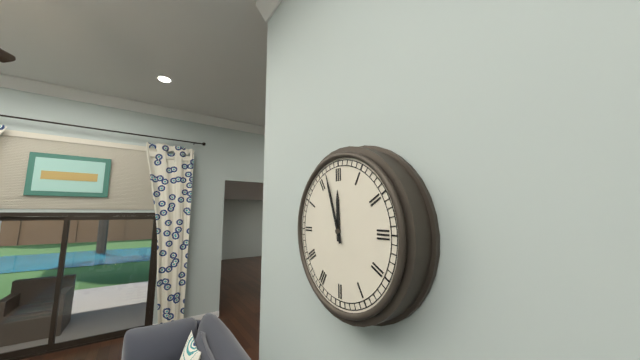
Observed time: 11:57
